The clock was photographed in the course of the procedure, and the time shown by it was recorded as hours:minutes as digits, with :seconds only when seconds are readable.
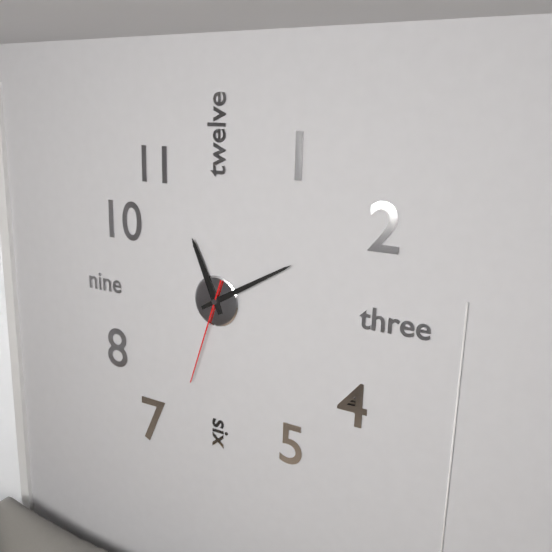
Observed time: 11:10:33
